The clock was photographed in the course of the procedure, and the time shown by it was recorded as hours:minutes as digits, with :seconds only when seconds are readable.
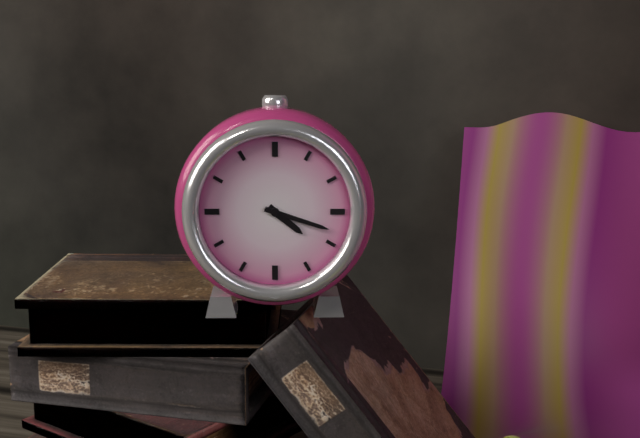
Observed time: 4:18
